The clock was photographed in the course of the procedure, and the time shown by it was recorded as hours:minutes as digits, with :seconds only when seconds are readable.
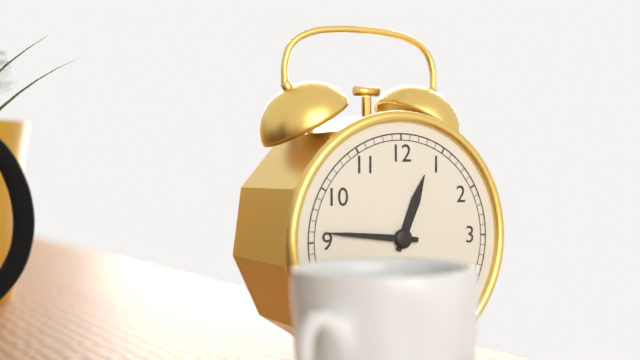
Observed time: 12:46
